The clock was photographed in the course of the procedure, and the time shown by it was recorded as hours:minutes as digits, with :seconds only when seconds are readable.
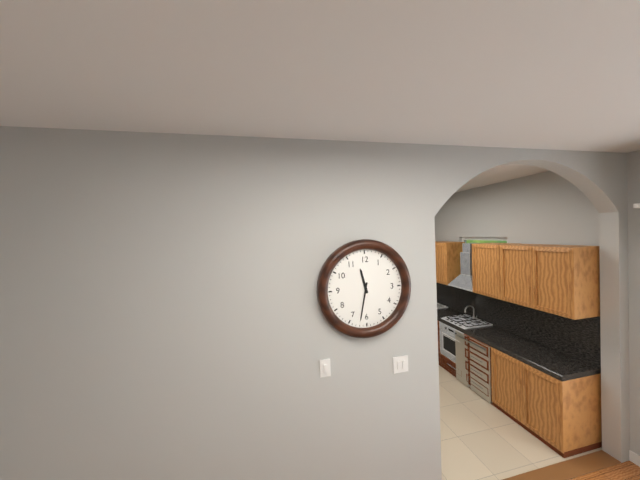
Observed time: 11:32
